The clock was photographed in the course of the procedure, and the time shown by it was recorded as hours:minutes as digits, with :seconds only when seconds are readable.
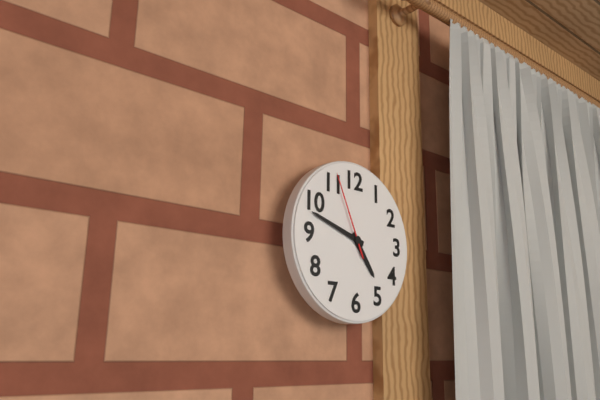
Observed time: 4:48:56
